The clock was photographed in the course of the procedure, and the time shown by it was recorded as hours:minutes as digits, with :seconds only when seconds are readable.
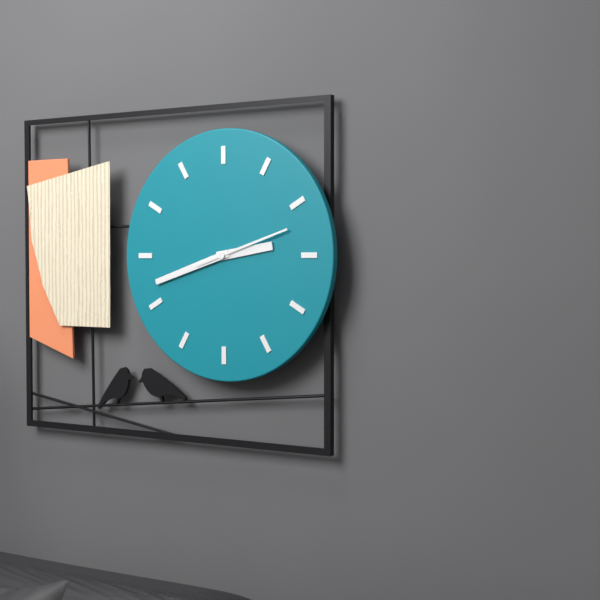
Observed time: 2:42:12
